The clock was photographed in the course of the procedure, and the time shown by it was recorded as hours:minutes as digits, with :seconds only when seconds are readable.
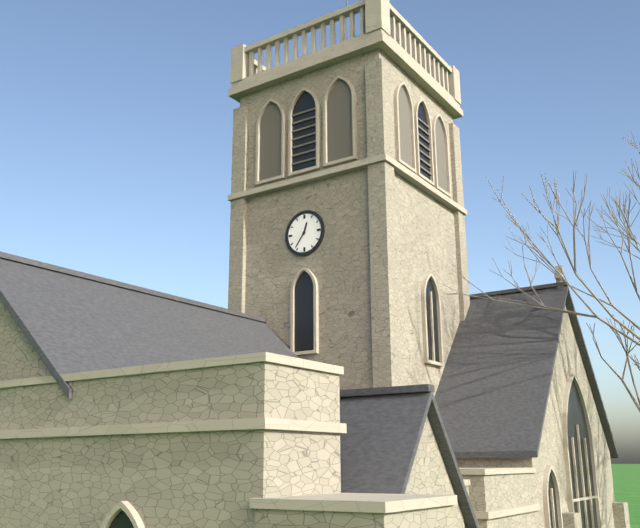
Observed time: 12:36
